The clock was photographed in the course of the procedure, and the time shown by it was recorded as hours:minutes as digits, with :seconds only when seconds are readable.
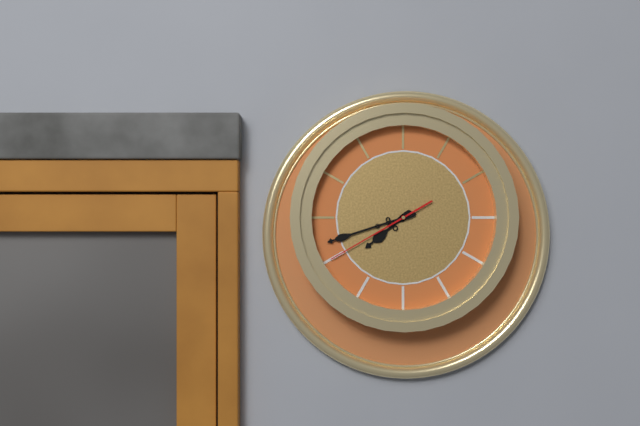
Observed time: 7:42:40
